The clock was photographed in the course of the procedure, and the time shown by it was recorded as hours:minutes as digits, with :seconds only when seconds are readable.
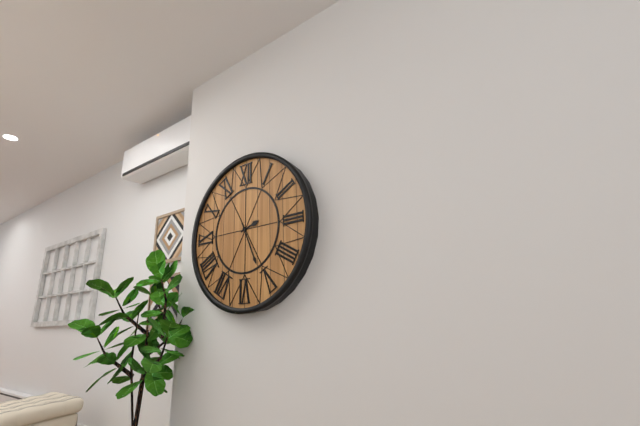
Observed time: 2:26
